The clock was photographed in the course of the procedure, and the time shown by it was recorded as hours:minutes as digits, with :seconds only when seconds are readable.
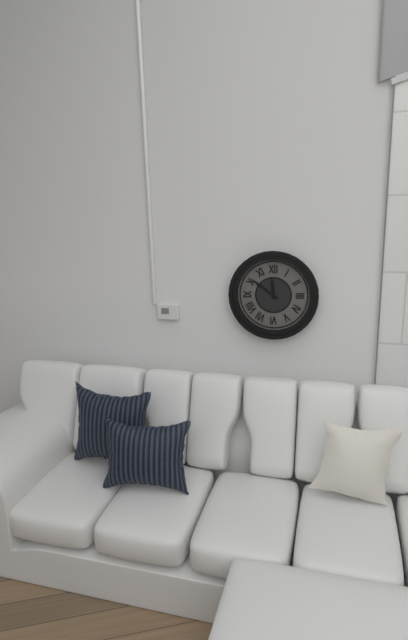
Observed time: 11:51
